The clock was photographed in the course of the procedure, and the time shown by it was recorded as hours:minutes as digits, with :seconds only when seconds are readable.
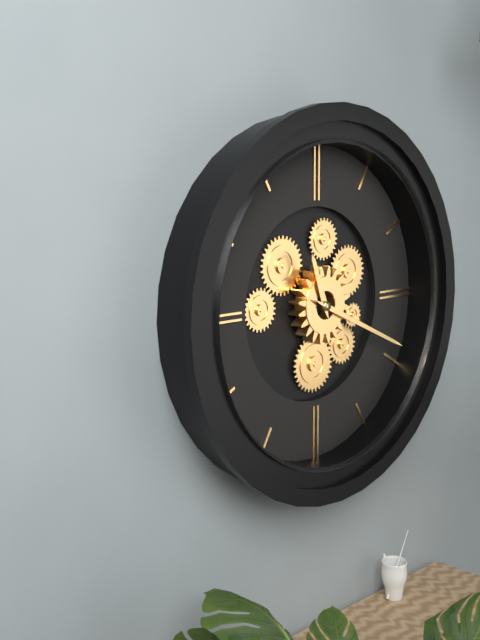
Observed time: 11:19
